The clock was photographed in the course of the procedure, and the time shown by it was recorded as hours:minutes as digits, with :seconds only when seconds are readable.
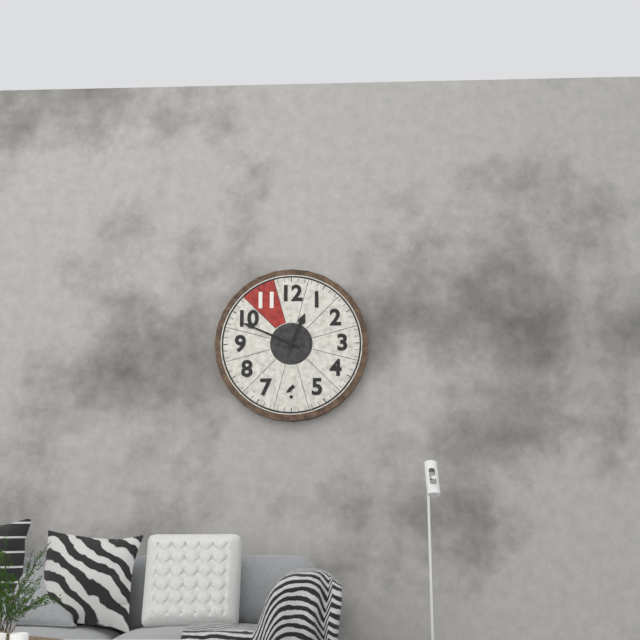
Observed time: 12:49
